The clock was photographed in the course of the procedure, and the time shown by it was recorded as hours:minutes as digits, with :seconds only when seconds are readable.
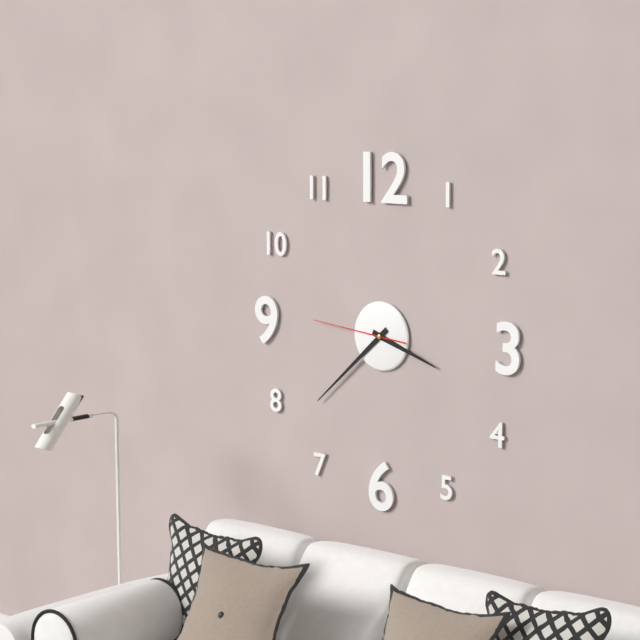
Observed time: 3:38:46
